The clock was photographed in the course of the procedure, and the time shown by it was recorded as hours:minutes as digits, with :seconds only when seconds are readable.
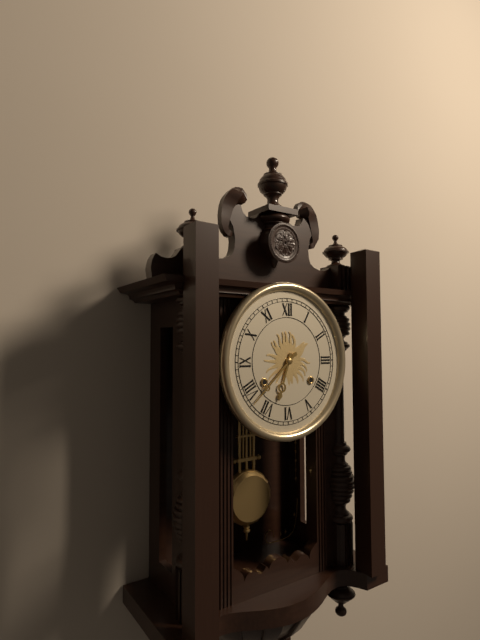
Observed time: 6:38
